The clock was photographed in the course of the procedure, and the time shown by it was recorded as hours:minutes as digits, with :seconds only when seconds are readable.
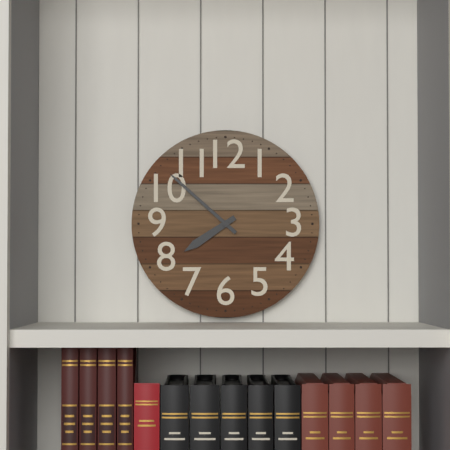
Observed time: 7:52
